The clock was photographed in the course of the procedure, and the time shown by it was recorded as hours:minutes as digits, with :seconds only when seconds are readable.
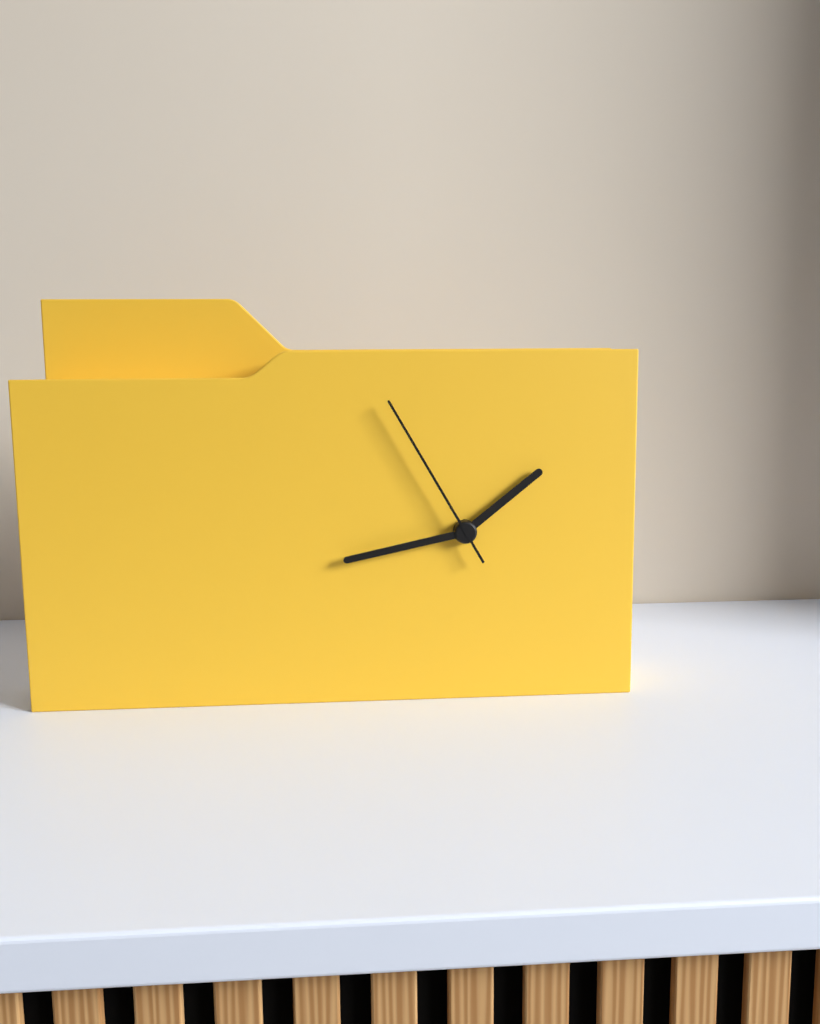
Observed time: 1:43:55
